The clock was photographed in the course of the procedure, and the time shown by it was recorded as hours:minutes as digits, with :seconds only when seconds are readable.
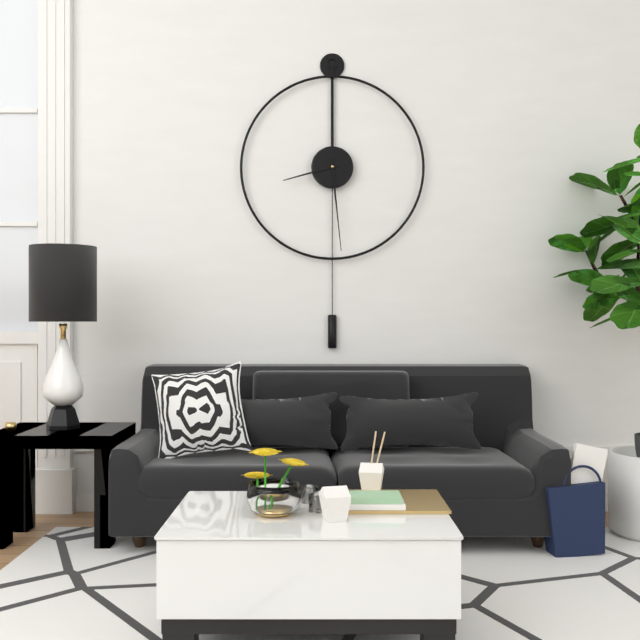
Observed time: 8:29
